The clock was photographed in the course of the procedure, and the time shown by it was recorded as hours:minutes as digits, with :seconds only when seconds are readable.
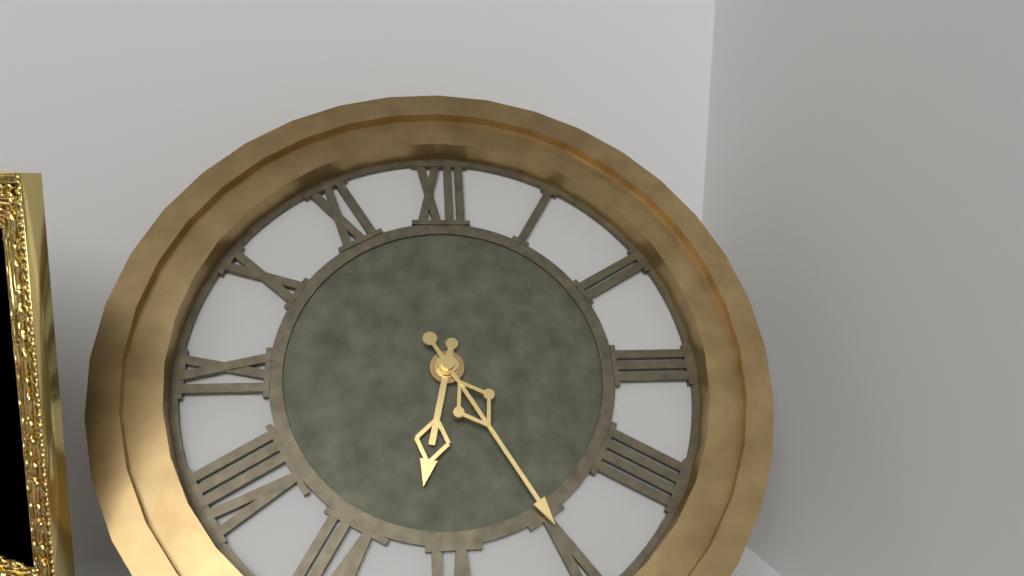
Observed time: 6:25
